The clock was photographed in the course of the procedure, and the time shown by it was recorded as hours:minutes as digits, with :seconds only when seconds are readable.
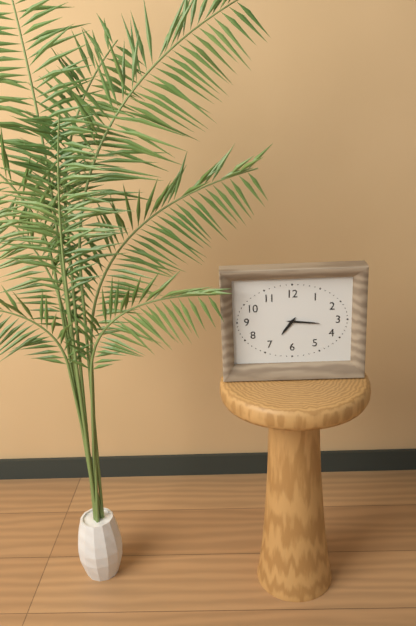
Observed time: 7:16
